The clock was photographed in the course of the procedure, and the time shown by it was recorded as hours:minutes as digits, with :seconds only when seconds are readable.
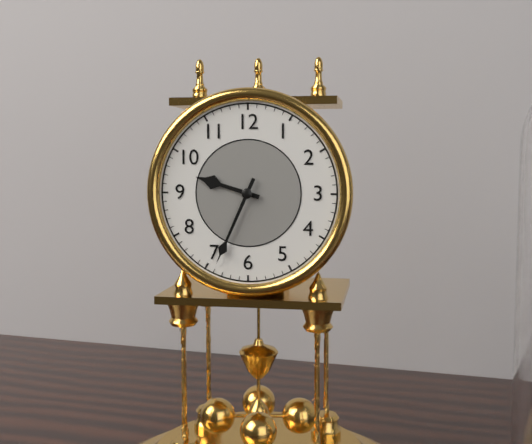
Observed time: 9:34
